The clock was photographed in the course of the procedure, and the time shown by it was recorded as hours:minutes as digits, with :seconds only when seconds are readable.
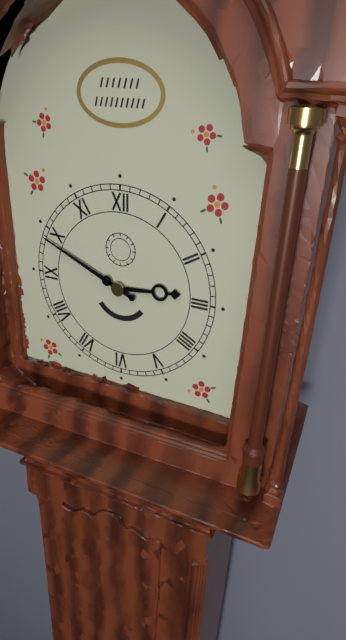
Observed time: 2:49
